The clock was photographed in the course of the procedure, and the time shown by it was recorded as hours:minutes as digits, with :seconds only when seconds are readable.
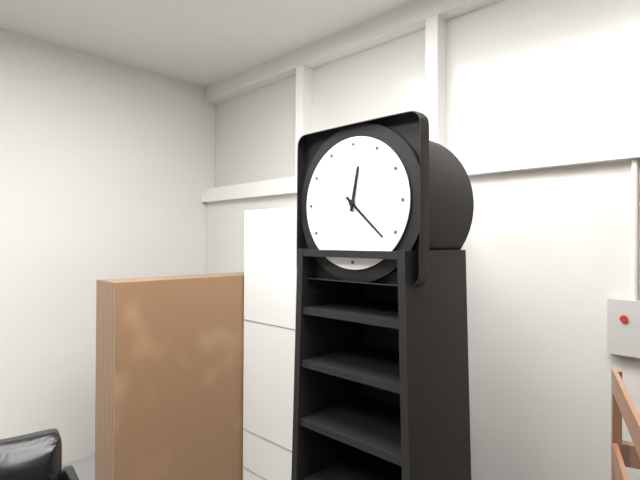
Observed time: 12:22
